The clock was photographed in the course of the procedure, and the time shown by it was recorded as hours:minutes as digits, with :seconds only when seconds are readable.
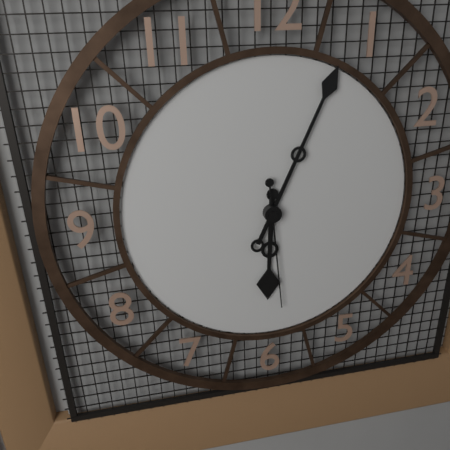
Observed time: 6:04:29
